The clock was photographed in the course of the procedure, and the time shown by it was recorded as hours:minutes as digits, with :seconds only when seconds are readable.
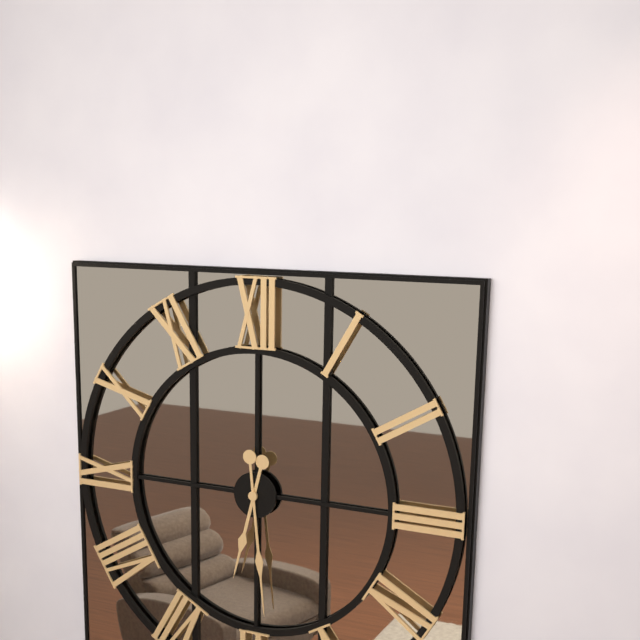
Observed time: 6:29
